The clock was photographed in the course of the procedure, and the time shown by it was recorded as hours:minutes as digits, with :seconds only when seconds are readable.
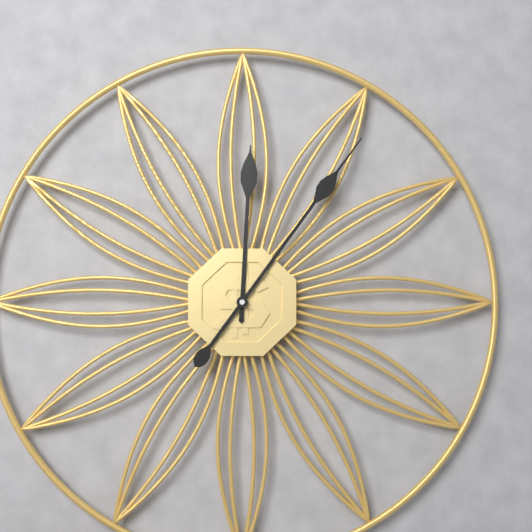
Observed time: 12:06
